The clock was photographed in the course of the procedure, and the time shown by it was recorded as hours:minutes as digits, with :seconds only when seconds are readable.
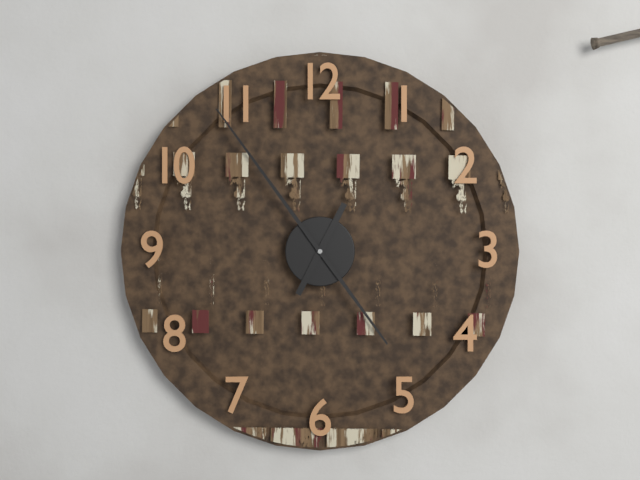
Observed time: 12:54
